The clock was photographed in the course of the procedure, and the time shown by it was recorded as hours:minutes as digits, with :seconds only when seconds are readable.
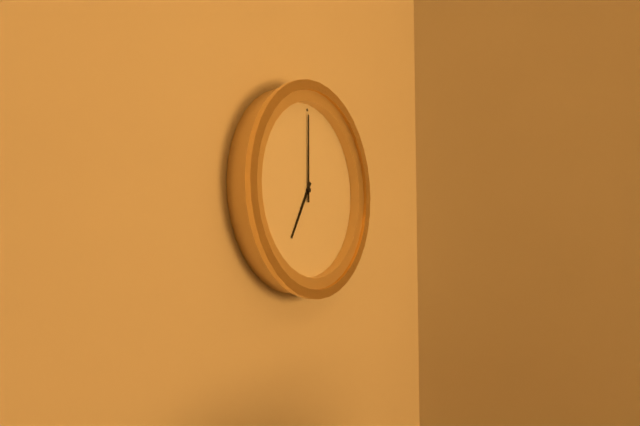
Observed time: 7:00
